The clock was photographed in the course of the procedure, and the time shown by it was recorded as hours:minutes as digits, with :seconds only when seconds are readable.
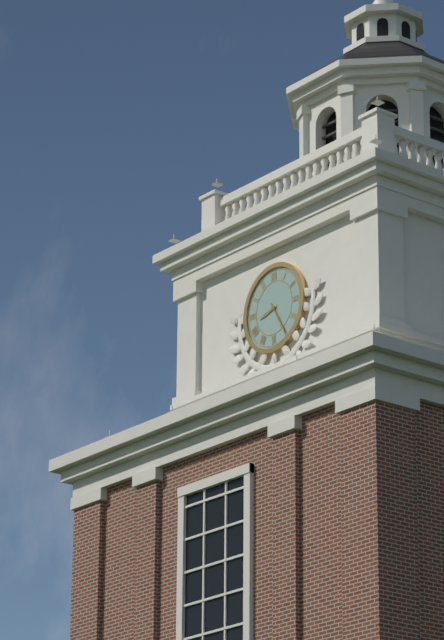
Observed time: 8:25
